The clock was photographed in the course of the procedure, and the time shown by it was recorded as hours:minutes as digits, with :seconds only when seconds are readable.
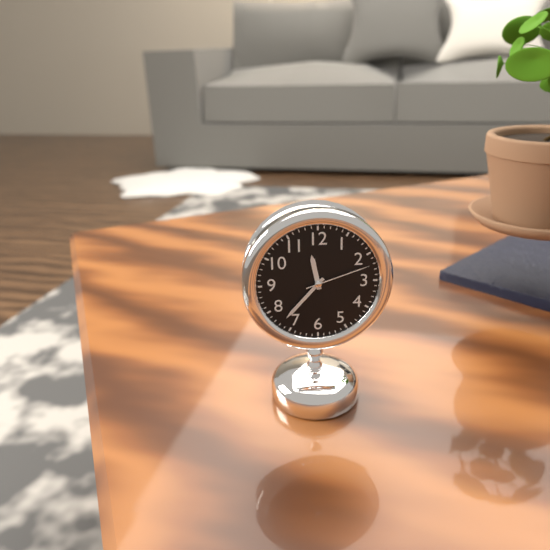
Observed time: 11:37:12
